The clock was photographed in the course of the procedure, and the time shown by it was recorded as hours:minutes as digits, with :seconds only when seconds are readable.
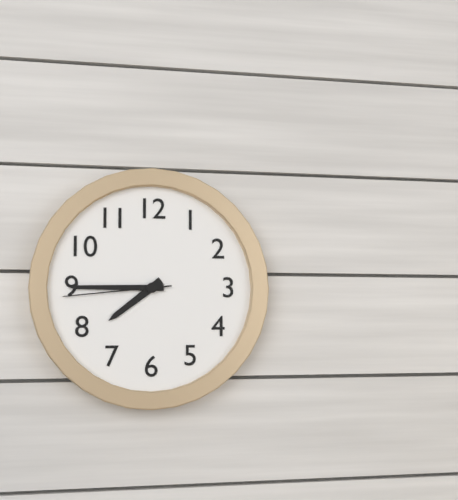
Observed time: 7:45:44
